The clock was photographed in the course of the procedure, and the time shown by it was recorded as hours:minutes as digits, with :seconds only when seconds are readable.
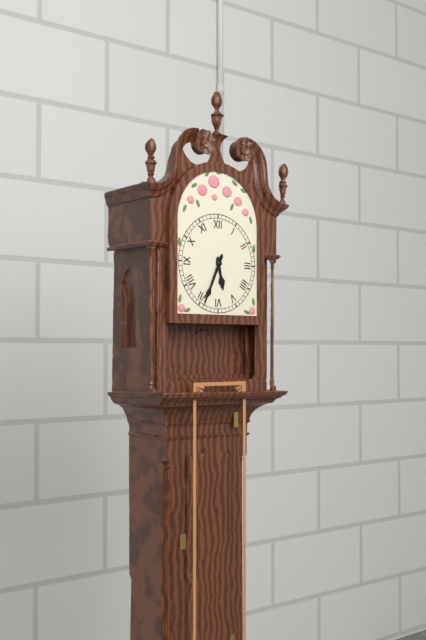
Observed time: 5:34
